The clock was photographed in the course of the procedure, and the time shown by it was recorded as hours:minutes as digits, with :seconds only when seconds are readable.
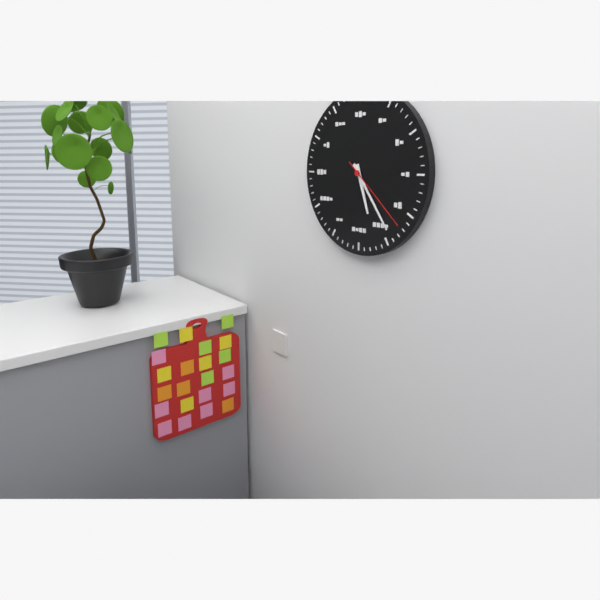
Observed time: 5:24:22
